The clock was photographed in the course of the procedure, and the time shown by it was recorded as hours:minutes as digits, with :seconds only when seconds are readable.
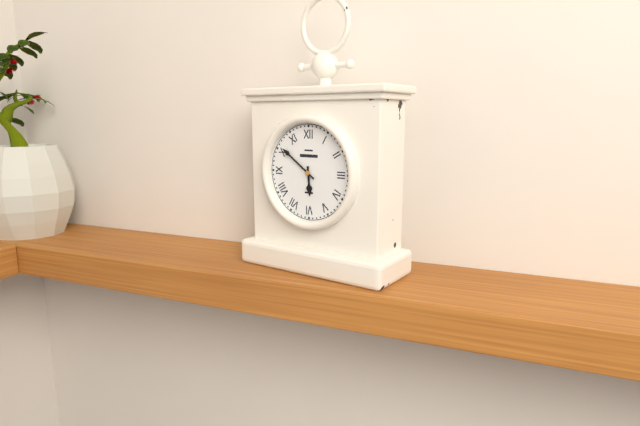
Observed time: 5:51
